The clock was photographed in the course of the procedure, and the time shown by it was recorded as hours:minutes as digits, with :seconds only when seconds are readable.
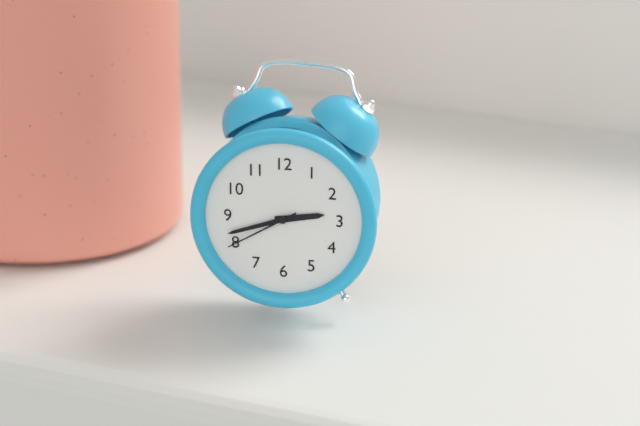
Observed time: 2:42:40
